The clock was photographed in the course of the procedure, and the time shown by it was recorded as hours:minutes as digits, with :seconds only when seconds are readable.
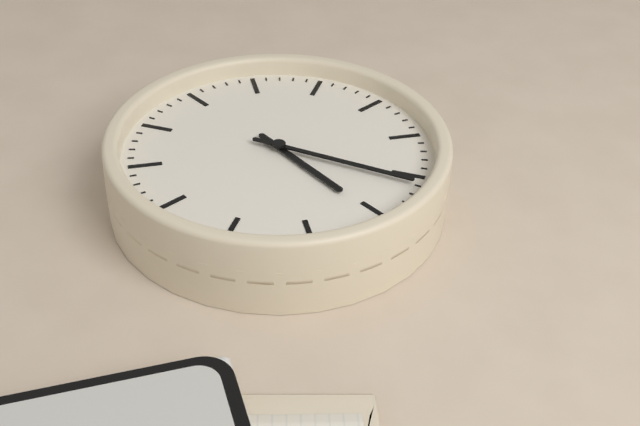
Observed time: 2:06
